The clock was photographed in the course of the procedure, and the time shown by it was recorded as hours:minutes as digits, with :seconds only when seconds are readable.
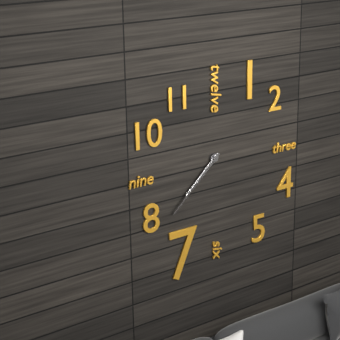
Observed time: 7:38
